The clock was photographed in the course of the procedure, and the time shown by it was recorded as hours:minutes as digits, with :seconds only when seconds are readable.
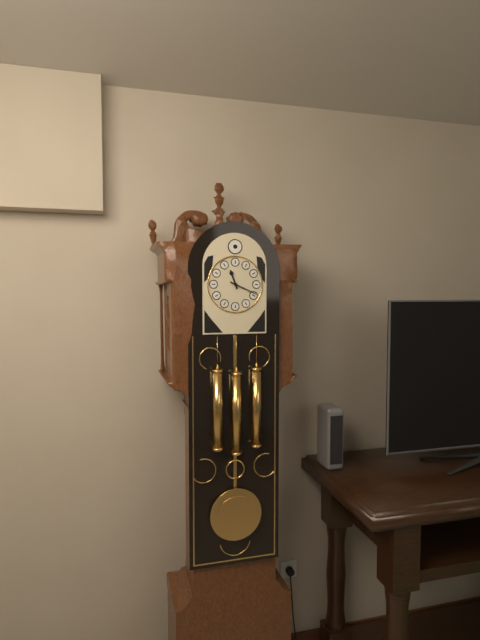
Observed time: 11:19
